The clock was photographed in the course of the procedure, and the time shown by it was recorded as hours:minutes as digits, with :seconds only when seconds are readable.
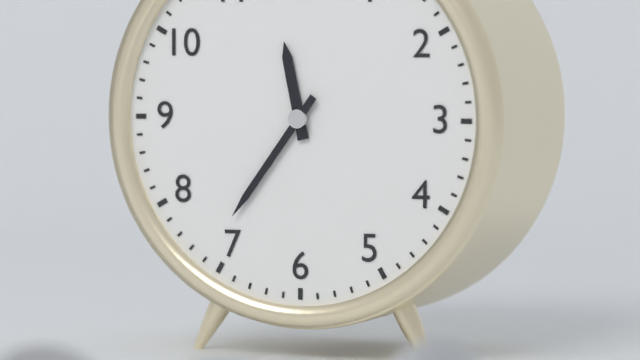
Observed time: 11:36
